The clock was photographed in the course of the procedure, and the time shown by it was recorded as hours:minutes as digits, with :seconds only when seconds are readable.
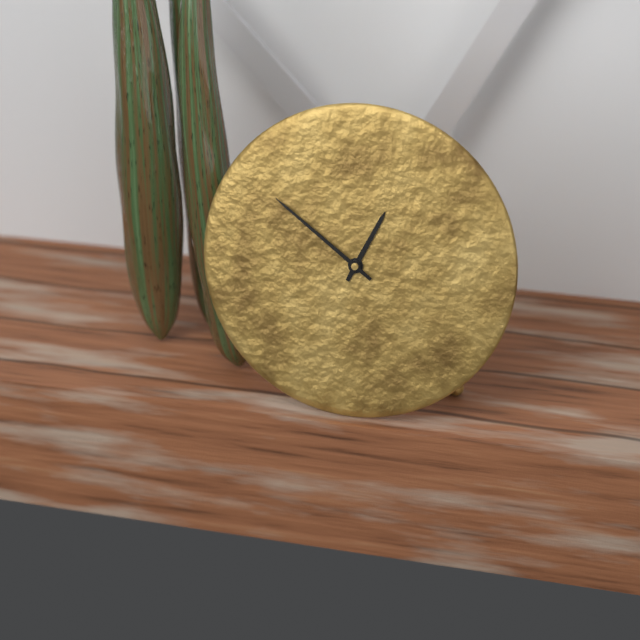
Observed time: 12:51
